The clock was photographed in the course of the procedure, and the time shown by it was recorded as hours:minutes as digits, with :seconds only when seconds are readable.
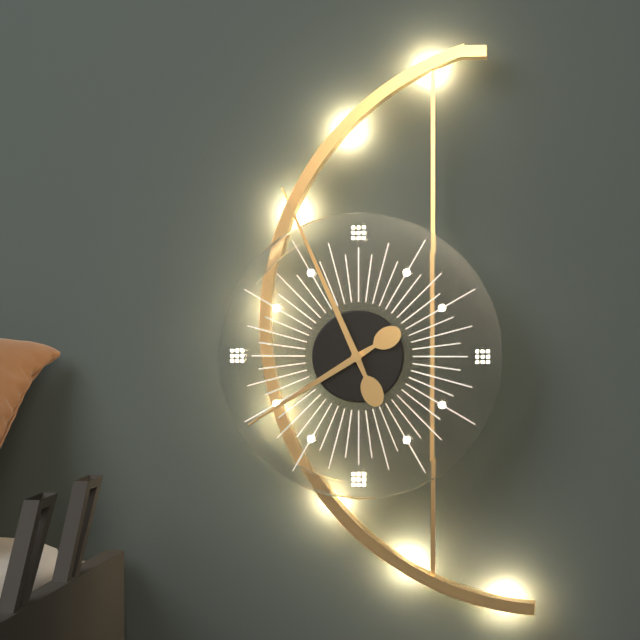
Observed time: 7:56
